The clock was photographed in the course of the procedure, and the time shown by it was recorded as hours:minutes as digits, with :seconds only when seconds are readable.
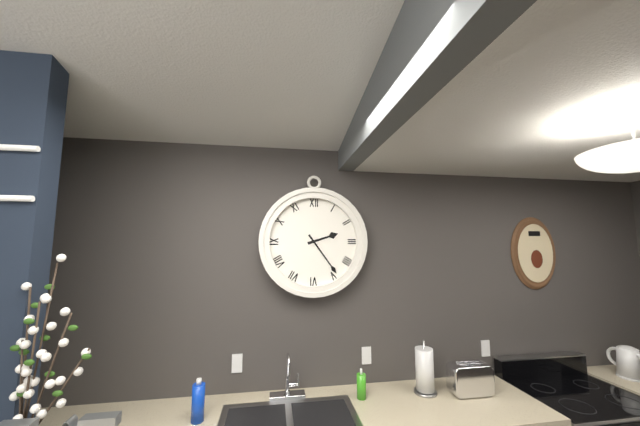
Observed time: 2:24
